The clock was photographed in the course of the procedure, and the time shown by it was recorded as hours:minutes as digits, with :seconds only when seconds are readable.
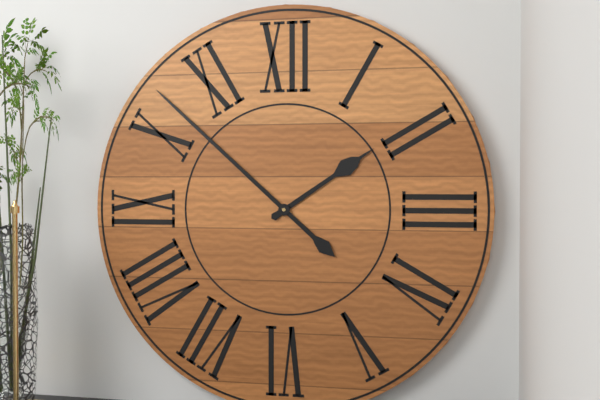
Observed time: 1:52
